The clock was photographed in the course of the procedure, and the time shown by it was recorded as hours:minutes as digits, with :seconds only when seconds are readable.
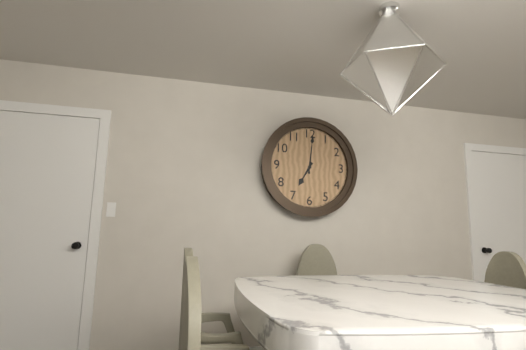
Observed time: 7:01
